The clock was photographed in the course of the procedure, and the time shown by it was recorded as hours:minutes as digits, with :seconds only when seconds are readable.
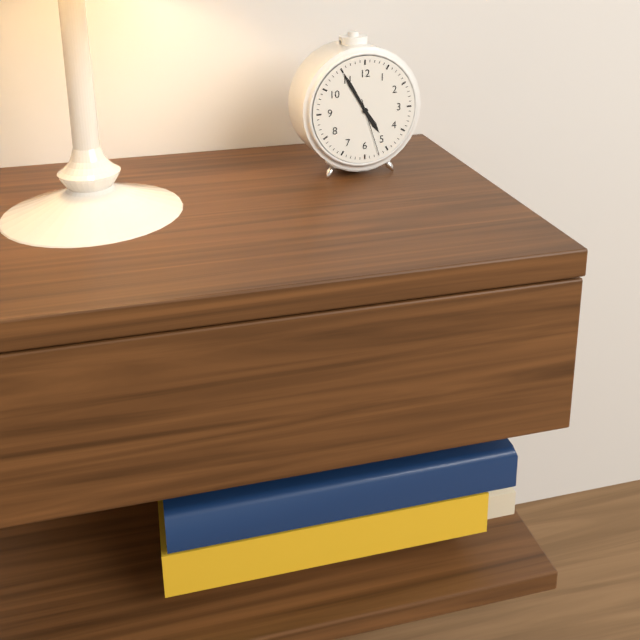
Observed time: 4:55:27
